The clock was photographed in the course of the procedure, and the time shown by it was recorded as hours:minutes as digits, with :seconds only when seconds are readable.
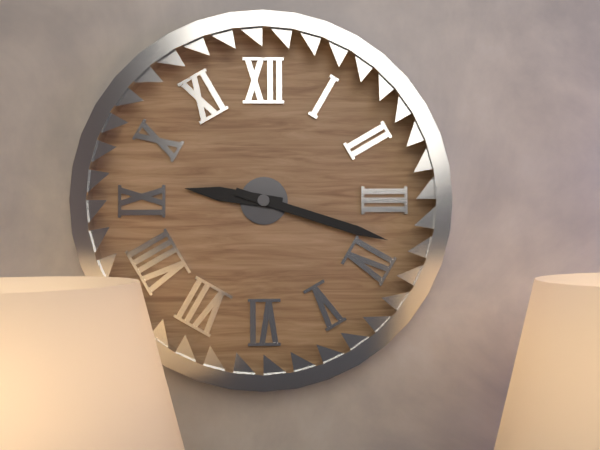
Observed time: 9:18
